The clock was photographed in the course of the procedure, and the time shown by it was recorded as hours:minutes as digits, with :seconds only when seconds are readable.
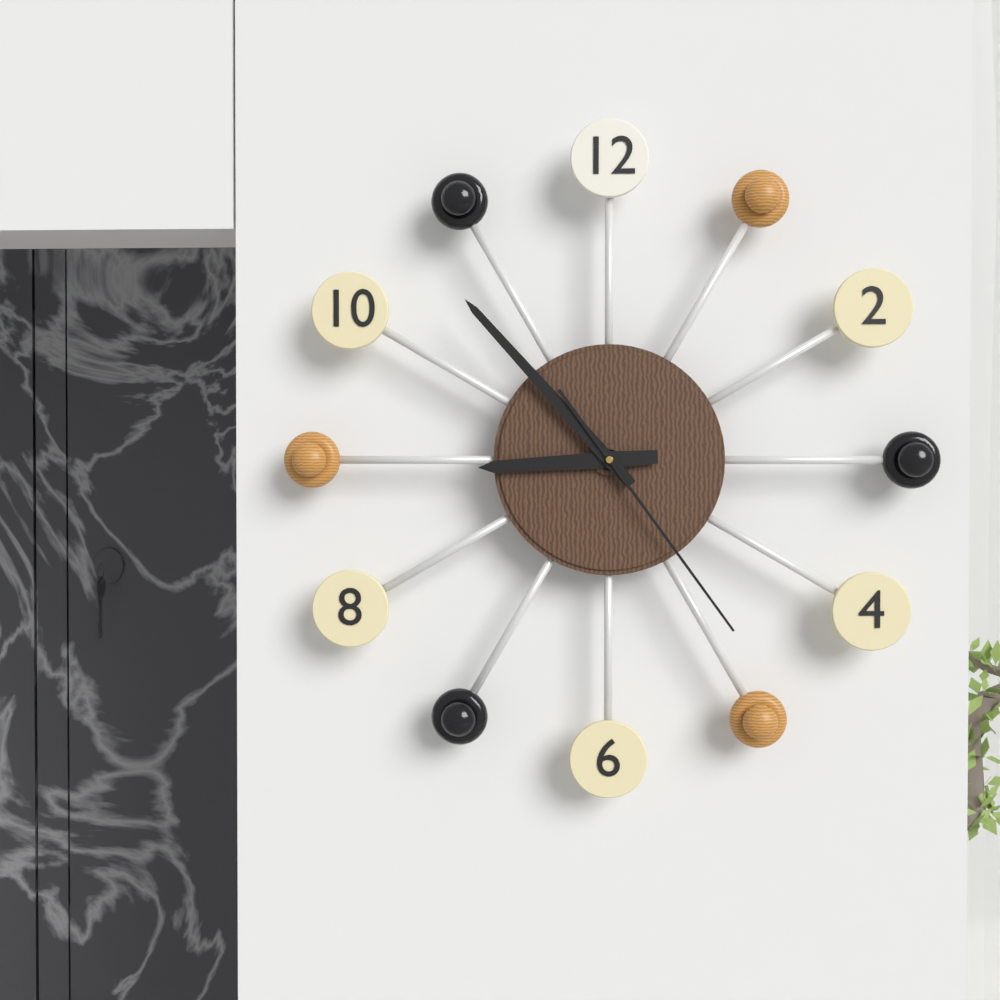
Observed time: 8:53:24
